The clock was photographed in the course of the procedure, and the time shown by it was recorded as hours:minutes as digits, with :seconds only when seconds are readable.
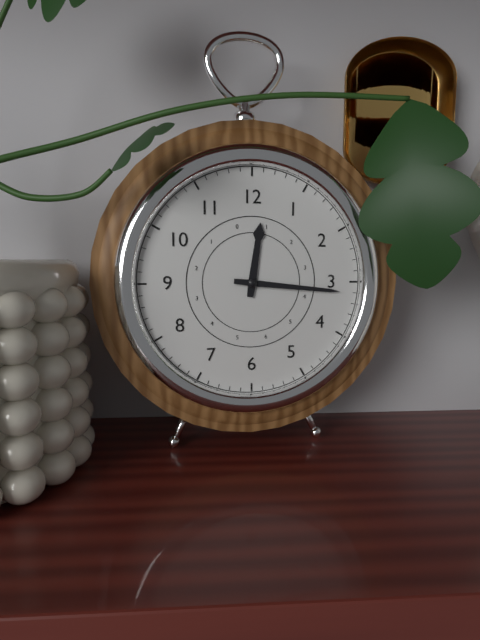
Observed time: 12:16
